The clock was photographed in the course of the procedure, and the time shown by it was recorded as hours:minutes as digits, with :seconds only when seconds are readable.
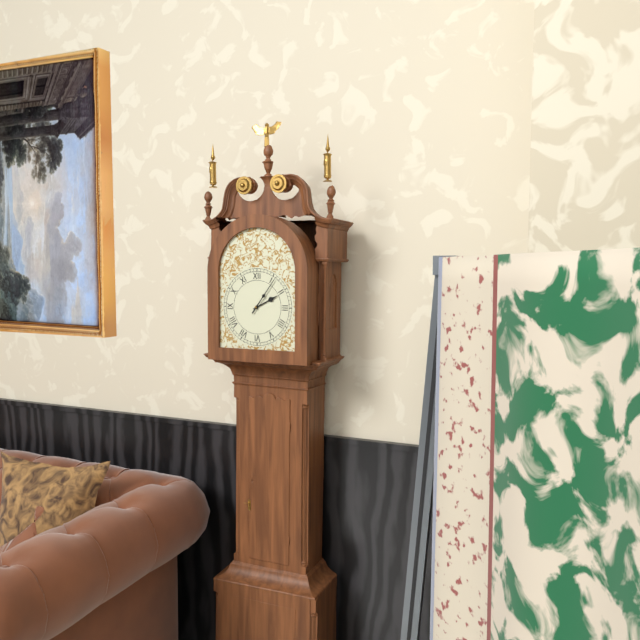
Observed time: 2:06
